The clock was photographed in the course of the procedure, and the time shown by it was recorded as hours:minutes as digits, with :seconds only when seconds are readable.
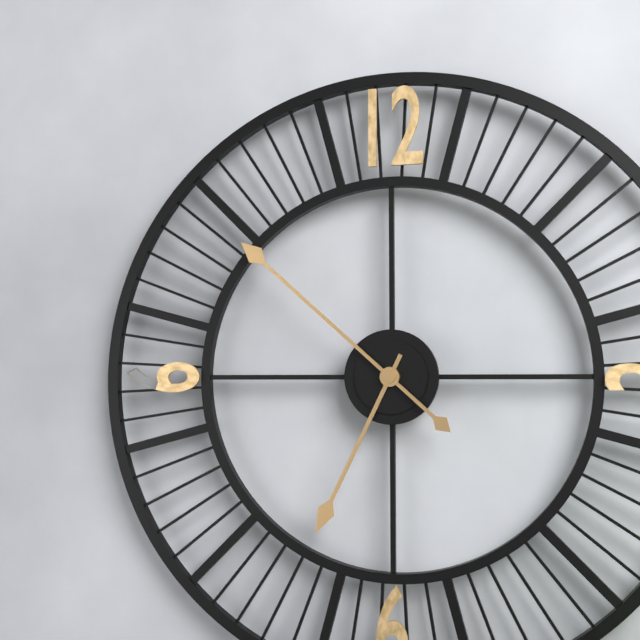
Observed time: 6:52
